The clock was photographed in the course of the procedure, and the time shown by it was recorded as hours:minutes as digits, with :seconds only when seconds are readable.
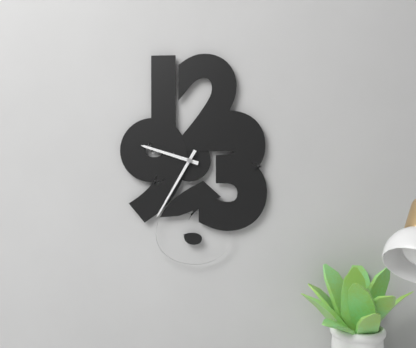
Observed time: 9:35
